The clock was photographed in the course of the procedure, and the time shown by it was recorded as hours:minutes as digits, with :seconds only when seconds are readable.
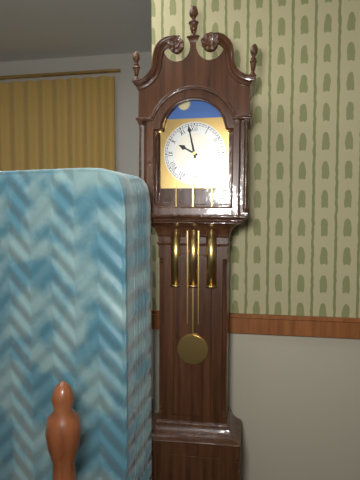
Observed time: 9:58
